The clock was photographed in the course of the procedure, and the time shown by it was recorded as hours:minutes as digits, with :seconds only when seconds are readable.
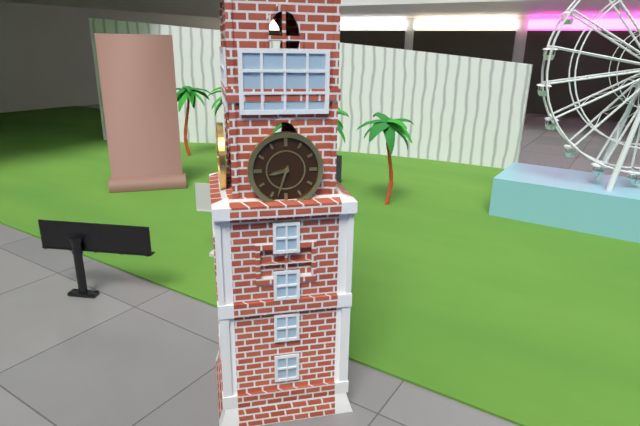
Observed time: 8:33
